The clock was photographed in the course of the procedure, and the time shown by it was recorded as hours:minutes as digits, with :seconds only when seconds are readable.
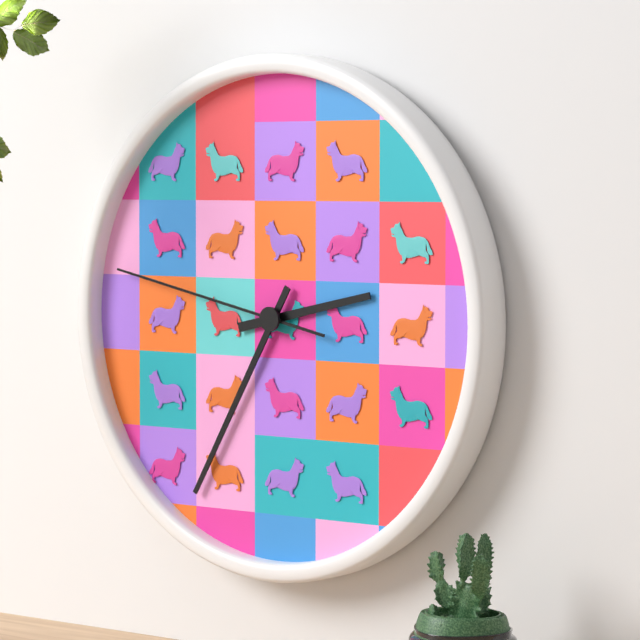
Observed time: 2:35:47
